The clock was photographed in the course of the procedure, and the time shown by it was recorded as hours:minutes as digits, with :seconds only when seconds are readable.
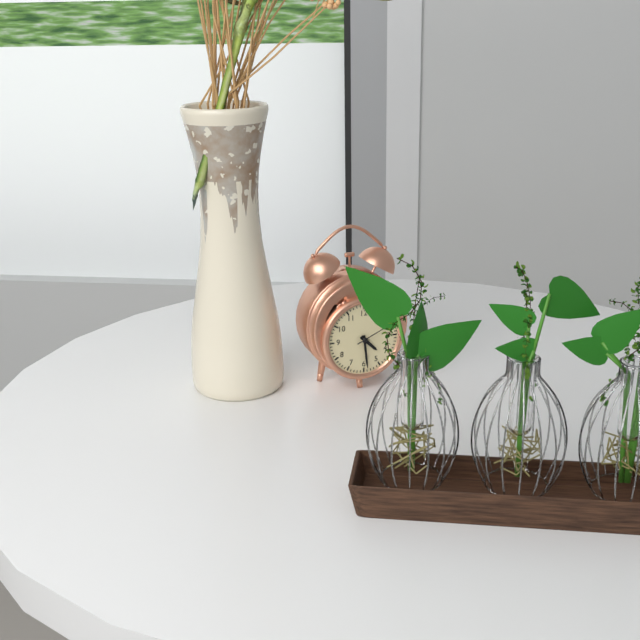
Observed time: 4:29
